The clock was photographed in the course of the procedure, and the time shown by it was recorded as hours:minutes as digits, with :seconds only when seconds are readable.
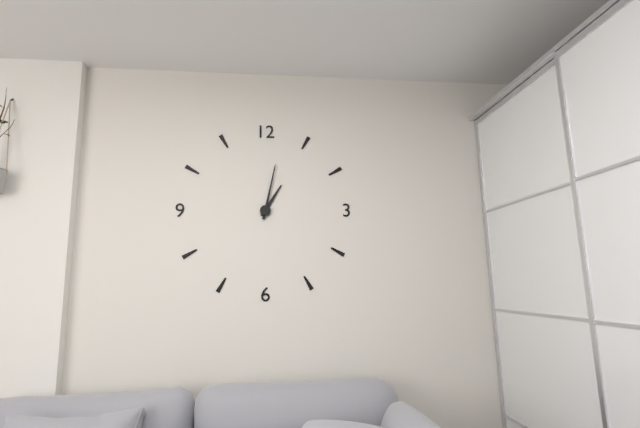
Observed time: 1:02
